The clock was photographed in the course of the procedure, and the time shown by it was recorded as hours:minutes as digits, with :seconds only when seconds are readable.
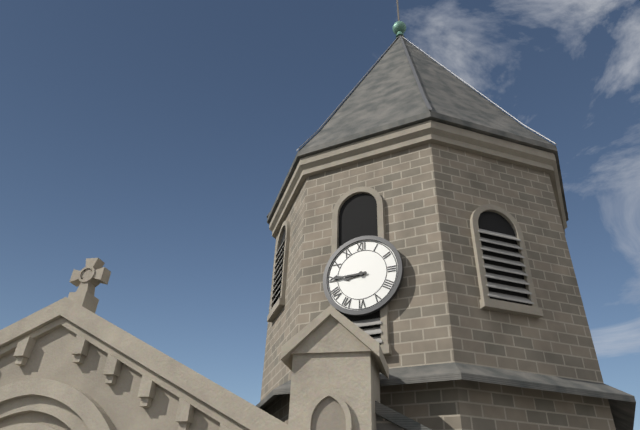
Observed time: 8:45
